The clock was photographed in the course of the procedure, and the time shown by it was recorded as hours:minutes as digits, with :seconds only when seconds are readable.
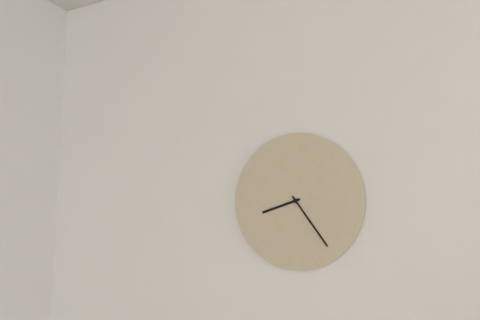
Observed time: 8:24
